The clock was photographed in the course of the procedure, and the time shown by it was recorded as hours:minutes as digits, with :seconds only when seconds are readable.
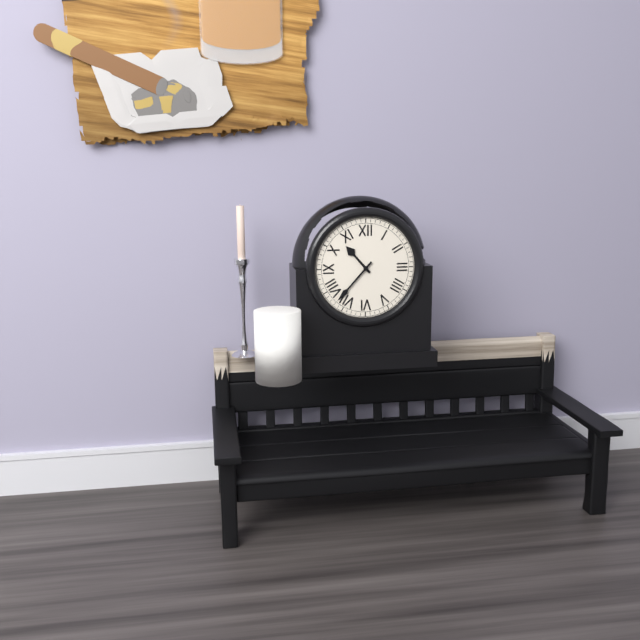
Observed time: 10:37
